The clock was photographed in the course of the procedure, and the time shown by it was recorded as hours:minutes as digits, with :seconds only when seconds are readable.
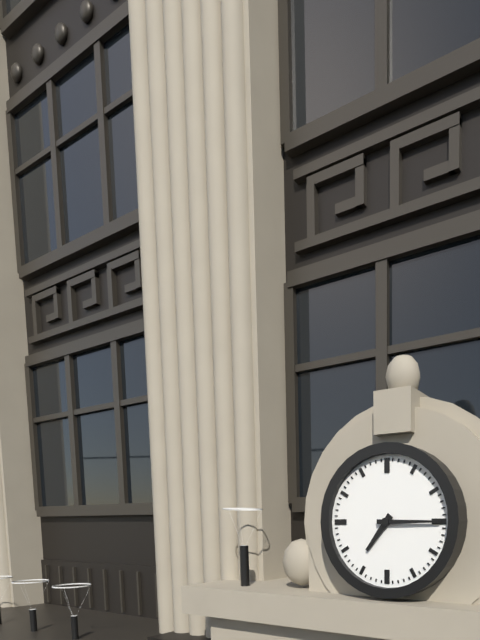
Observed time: 7:15
